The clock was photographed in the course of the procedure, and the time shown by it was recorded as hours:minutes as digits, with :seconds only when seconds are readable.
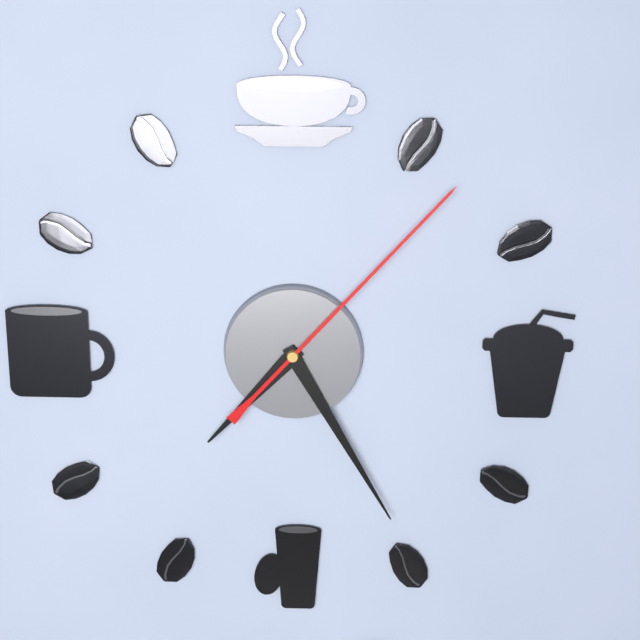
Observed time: 7:25:07
